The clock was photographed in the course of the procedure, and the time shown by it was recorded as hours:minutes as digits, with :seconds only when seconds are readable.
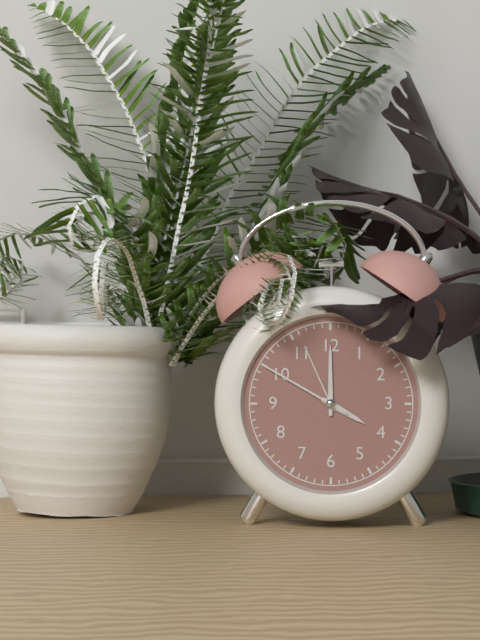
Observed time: 4:00:50
